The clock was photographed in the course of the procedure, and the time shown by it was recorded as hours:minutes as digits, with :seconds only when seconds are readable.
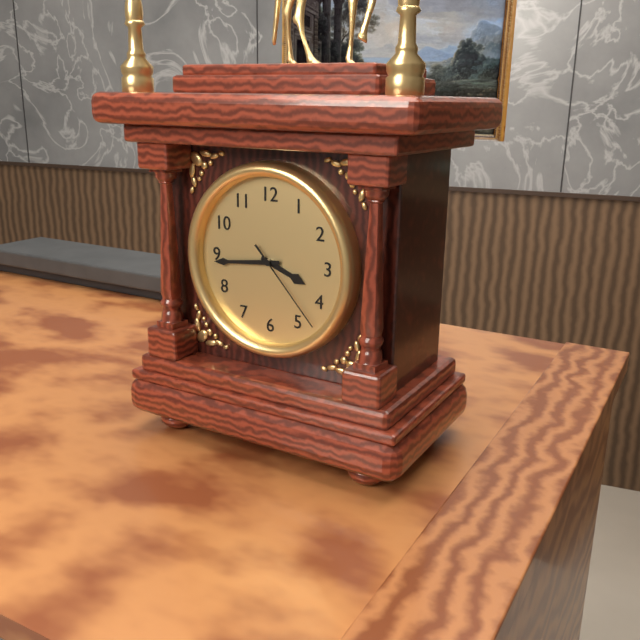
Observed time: 3:44:23
